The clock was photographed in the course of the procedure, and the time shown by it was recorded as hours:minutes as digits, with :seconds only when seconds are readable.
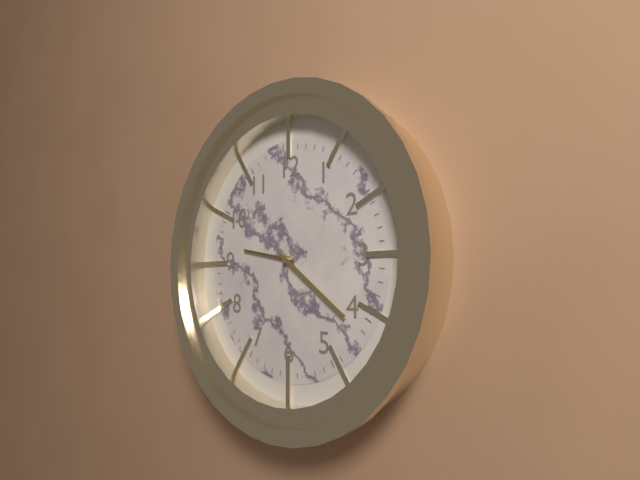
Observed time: 9:21
